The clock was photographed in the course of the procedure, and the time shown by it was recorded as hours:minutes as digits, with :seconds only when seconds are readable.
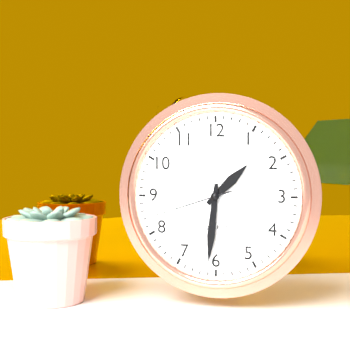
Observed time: 1:31:42
